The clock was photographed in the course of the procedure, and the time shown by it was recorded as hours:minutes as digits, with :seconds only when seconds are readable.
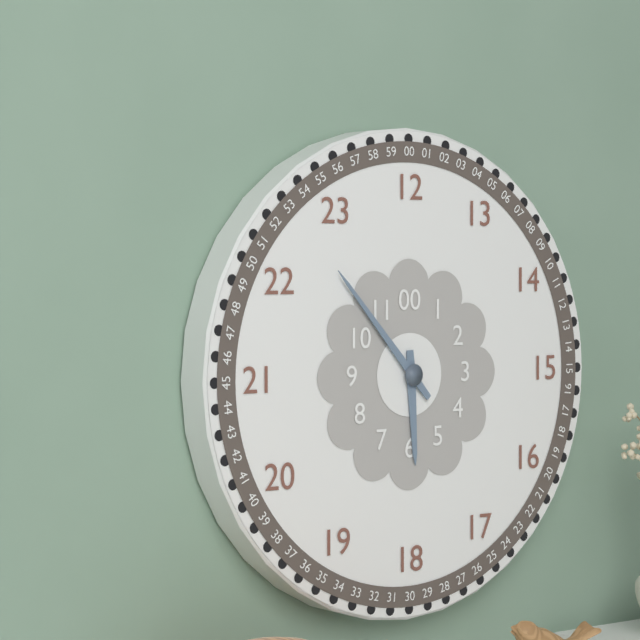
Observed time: 5:53
